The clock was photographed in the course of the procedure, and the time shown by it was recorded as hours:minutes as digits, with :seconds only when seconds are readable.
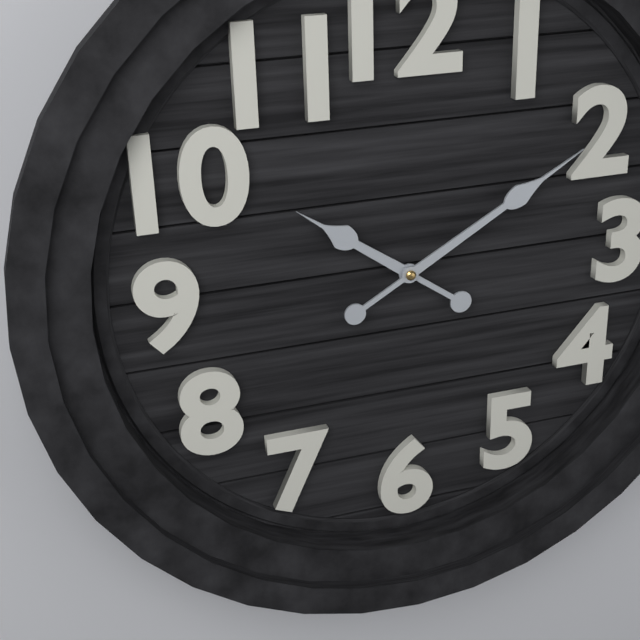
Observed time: 10:10
